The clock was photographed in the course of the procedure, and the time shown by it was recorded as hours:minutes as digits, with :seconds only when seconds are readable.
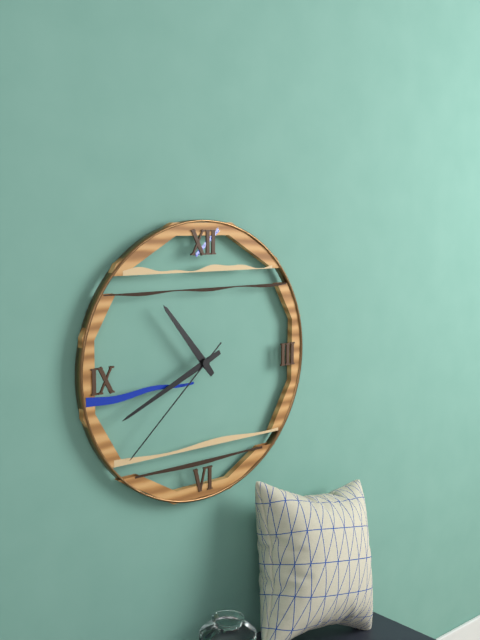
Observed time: 10:41:38
